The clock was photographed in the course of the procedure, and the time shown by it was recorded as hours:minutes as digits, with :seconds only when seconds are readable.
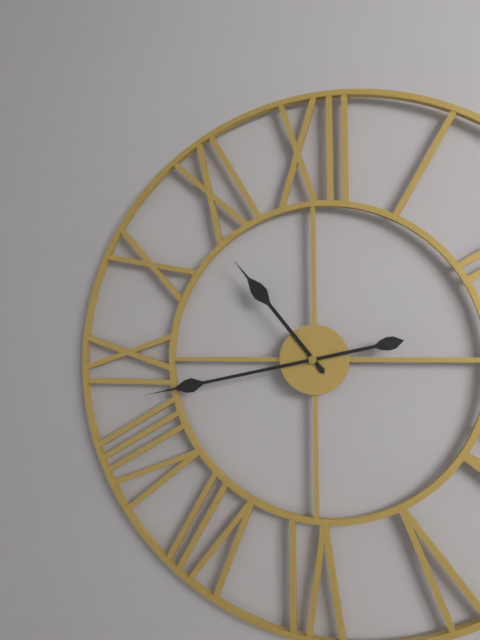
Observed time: 10:43
